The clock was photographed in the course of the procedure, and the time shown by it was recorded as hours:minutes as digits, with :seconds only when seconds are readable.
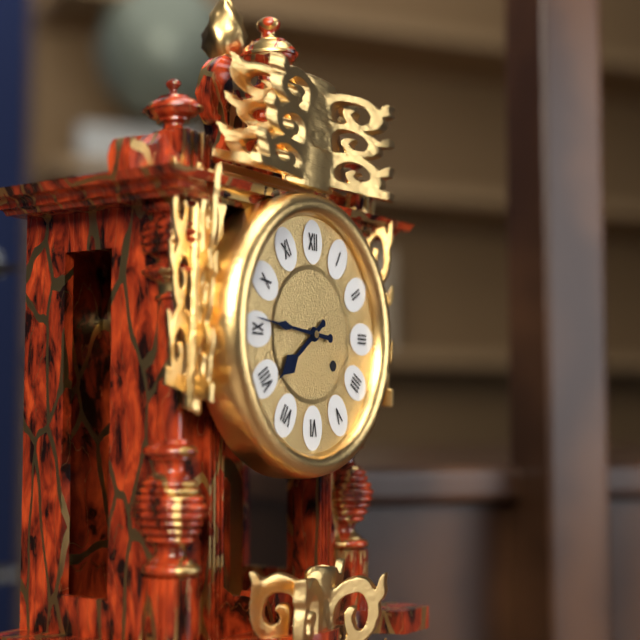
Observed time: 7:46
